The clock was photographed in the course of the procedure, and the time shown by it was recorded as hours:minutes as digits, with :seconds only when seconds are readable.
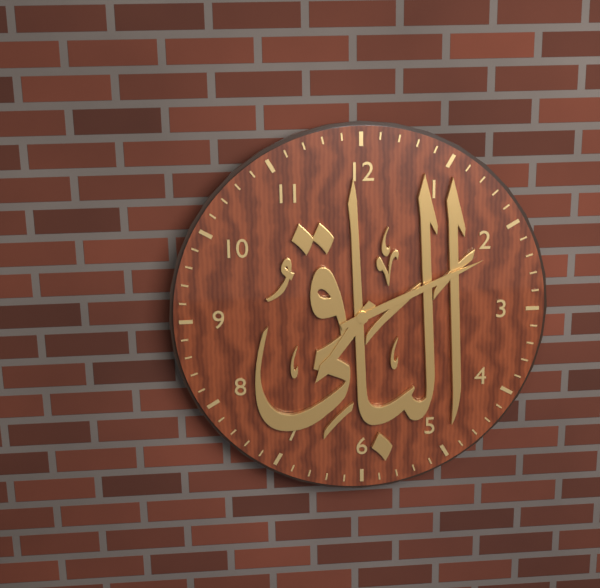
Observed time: 7:11
